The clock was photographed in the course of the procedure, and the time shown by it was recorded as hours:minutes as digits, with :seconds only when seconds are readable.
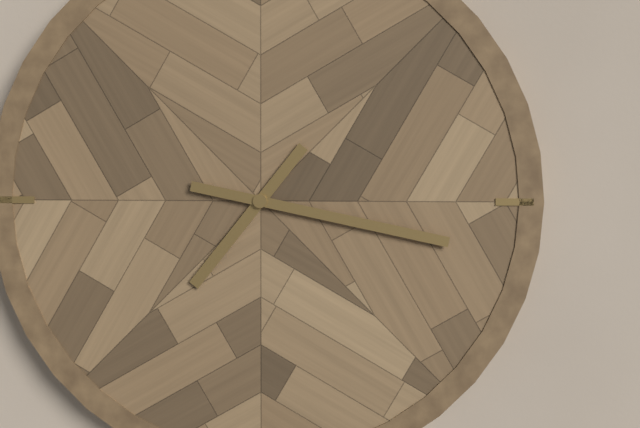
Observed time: 7:17
